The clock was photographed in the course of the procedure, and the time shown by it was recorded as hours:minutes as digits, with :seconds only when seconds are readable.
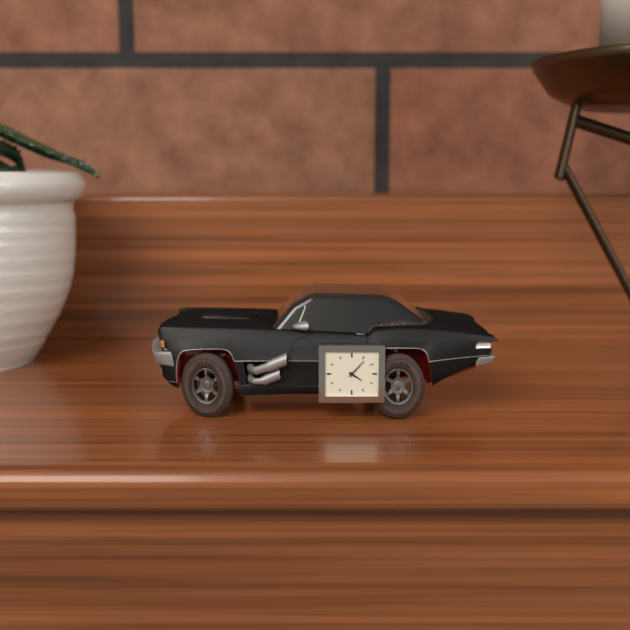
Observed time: 4:07
